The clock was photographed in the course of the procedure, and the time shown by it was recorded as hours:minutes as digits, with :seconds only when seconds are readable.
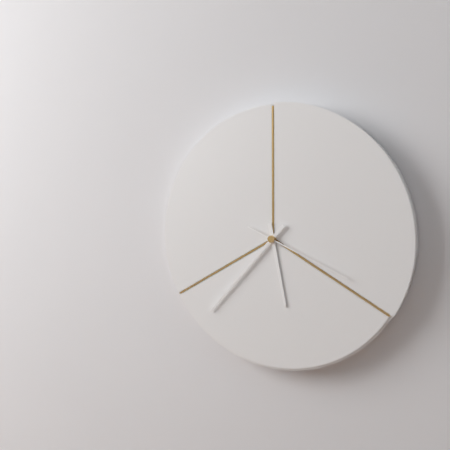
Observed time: 5:37:19
